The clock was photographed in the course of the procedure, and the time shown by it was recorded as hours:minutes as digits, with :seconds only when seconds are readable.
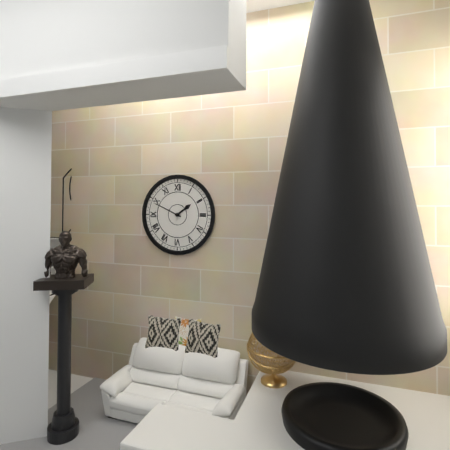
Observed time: 1:49
